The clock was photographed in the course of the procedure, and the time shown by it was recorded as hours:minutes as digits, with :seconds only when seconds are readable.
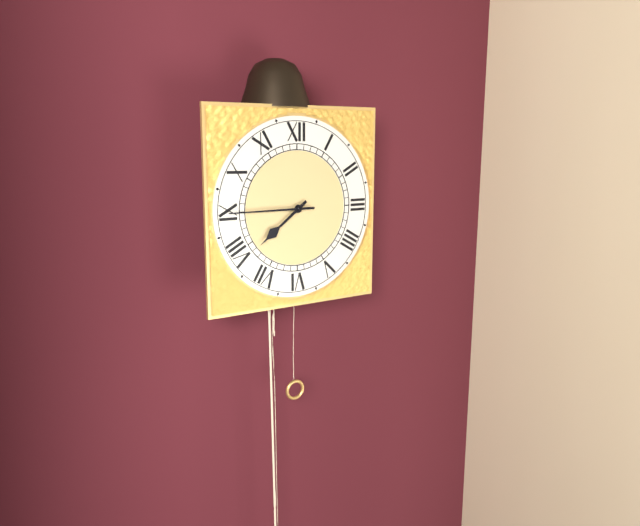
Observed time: 7:45
